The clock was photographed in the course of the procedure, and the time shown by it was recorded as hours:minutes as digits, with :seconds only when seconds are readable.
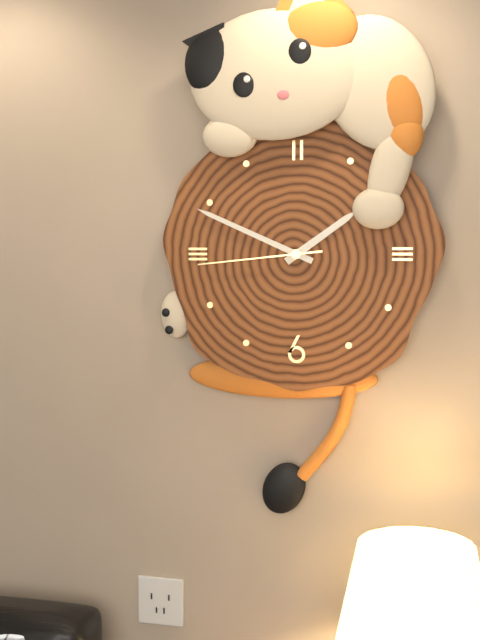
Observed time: 1:49:44
